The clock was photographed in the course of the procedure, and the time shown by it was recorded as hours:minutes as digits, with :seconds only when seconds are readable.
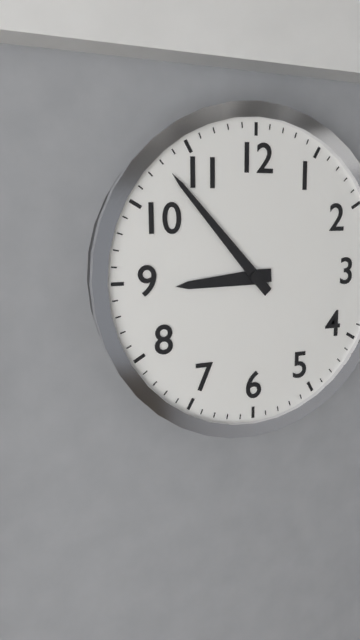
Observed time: 8:53
